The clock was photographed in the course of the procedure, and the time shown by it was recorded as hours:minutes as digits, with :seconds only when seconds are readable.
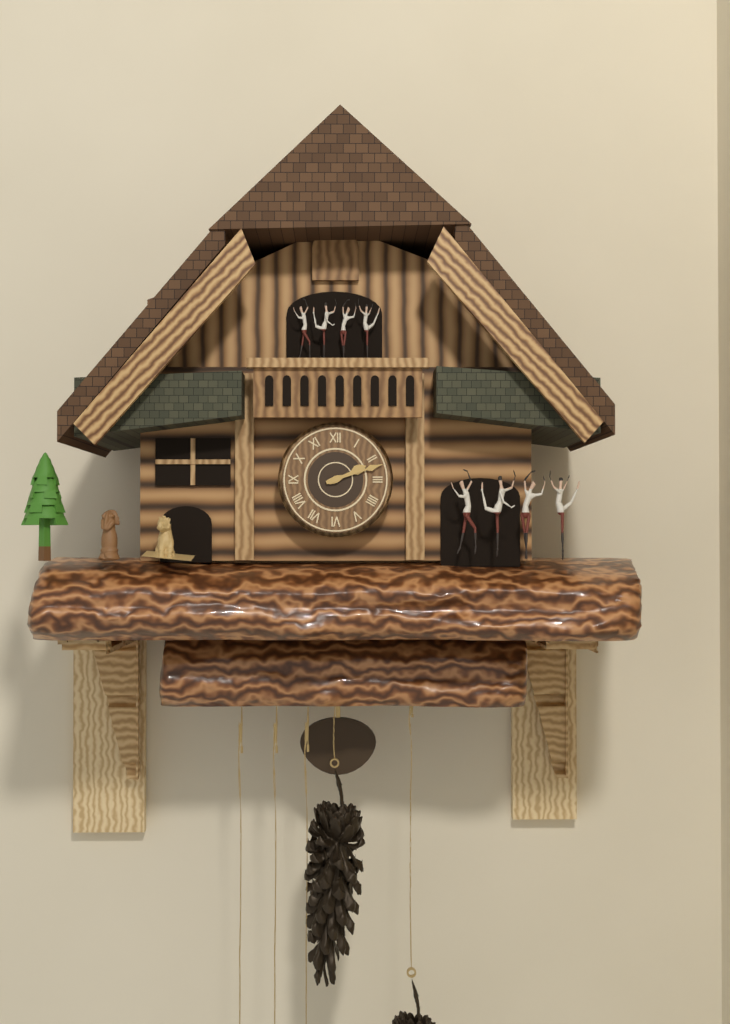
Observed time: 2:12
